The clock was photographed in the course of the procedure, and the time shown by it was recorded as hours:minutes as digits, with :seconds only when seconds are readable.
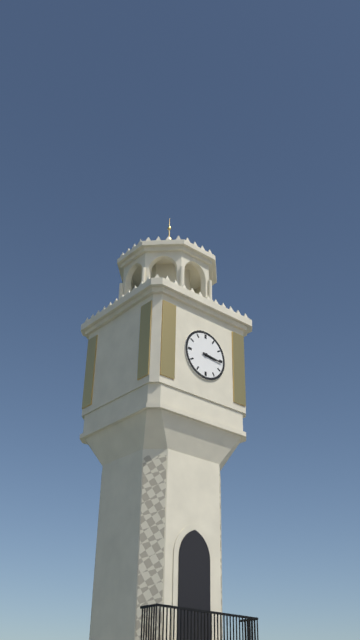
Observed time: 3:16
